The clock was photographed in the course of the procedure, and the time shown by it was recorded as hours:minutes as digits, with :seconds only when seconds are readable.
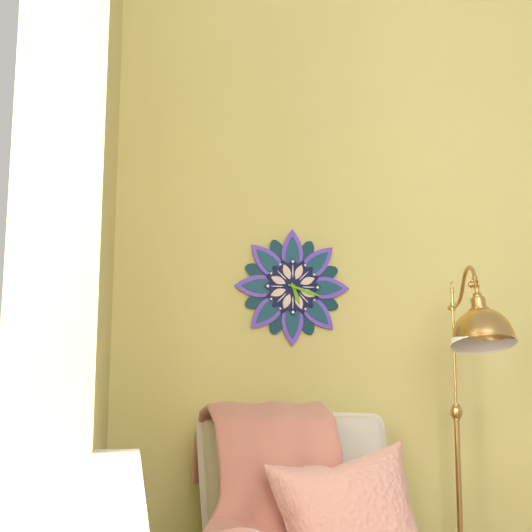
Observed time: 5:18
